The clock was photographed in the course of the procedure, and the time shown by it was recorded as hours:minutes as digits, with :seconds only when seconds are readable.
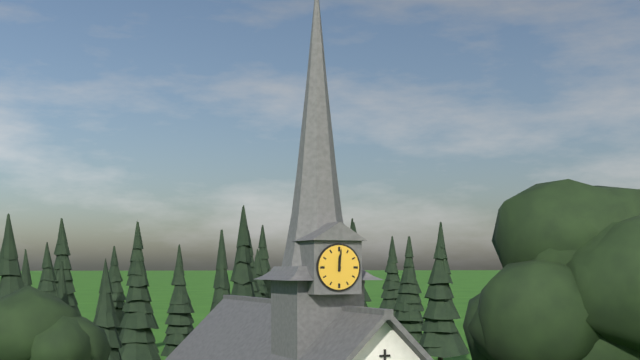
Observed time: 12:01
